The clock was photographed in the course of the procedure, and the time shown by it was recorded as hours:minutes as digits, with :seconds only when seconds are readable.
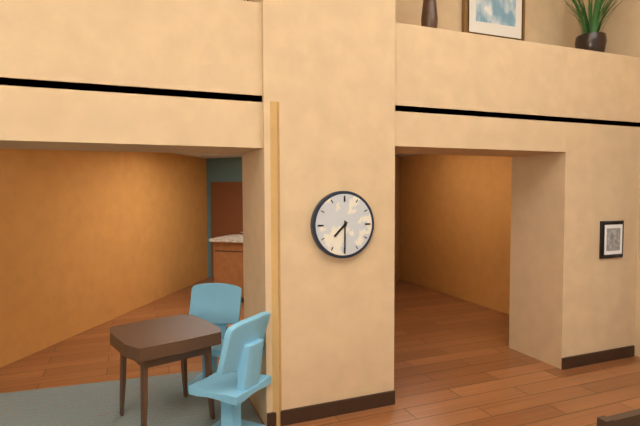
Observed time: 7:30
